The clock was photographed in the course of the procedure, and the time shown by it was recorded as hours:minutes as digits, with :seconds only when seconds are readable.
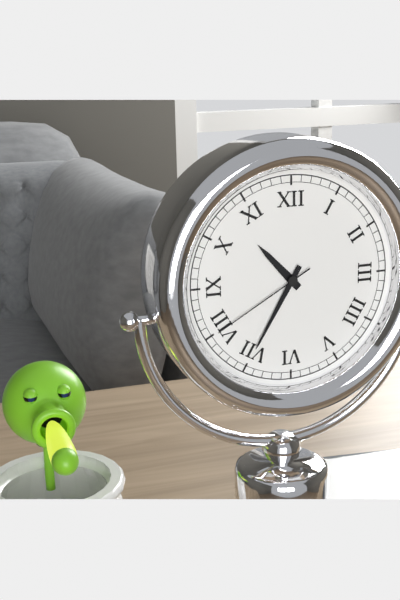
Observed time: 10:35:40
